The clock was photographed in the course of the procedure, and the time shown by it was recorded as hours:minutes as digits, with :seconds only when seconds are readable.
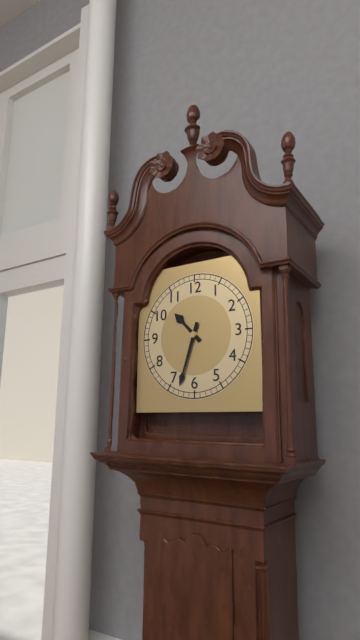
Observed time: 10:33
